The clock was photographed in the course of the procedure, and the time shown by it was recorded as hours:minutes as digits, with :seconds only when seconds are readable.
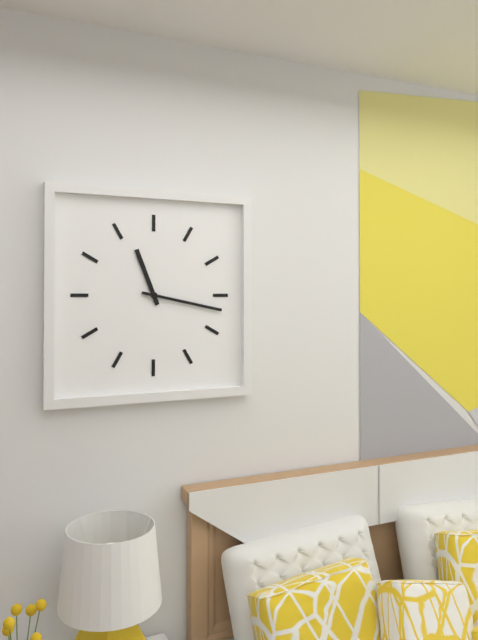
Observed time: 11:17
